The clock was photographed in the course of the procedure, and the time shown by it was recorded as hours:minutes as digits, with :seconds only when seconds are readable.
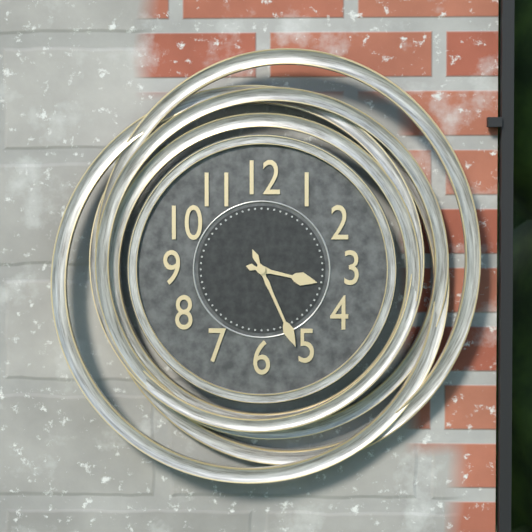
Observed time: 3:26
